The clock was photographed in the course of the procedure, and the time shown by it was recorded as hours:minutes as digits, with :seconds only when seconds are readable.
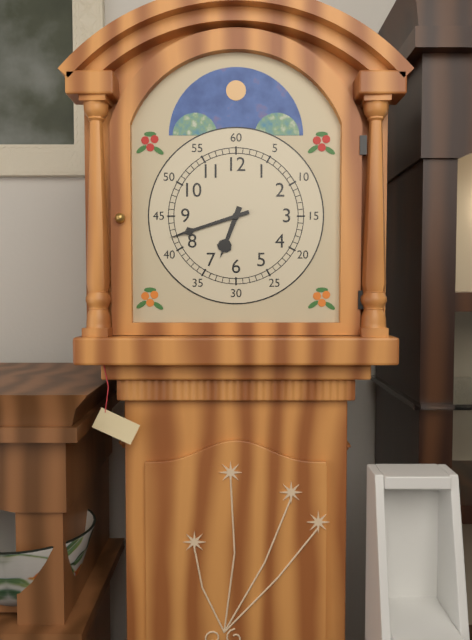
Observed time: 6:42
